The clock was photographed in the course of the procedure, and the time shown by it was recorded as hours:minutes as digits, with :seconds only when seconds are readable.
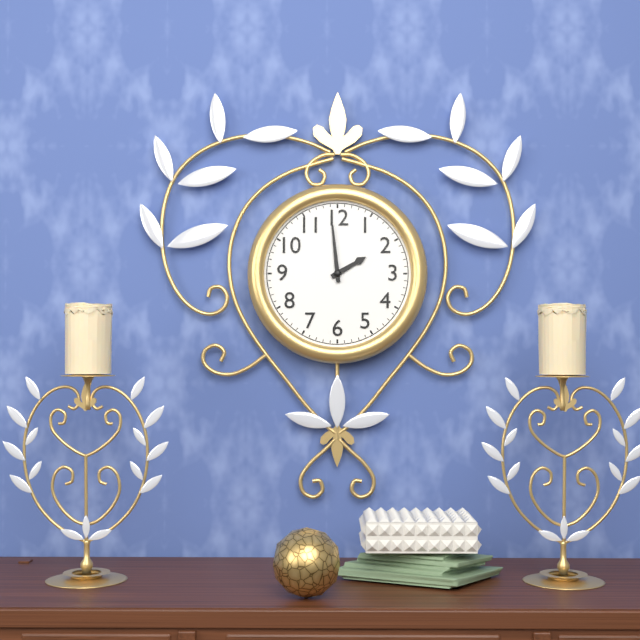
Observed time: 1:59
